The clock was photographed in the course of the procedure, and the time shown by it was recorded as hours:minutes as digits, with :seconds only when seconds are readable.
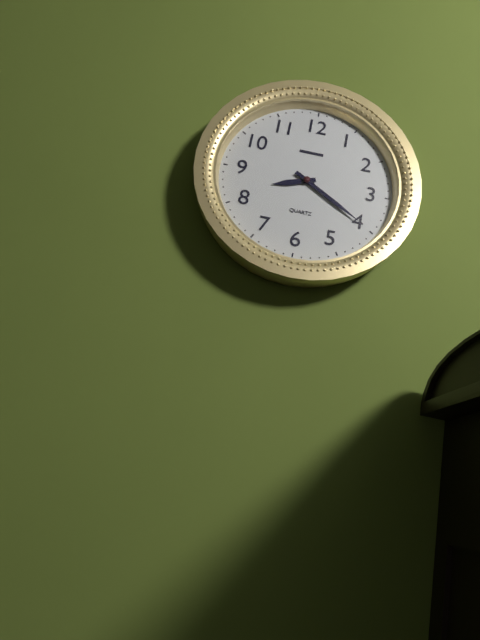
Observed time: 8:20
